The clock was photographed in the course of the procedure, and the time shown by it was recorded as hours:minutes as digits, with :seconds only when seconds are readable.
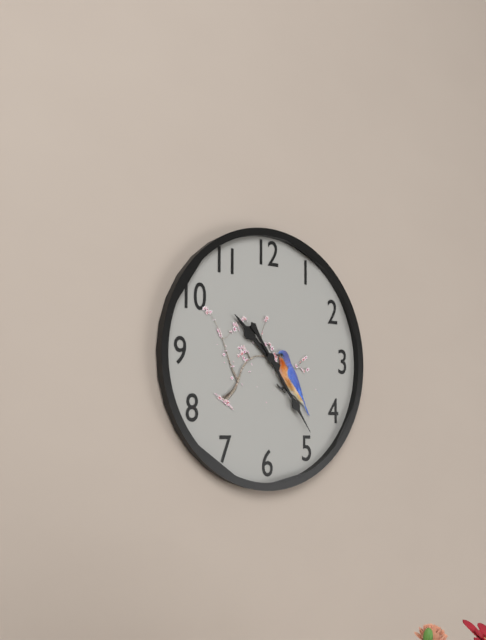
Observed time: 10:24
